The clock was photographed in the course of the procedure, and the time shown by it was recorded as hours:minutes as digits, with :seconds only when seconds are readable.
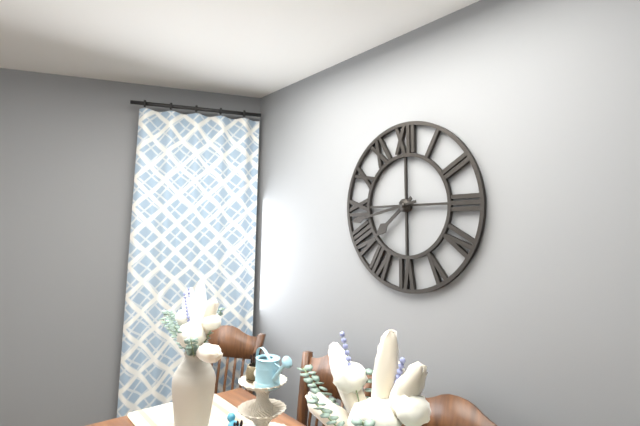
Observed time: 7:43
